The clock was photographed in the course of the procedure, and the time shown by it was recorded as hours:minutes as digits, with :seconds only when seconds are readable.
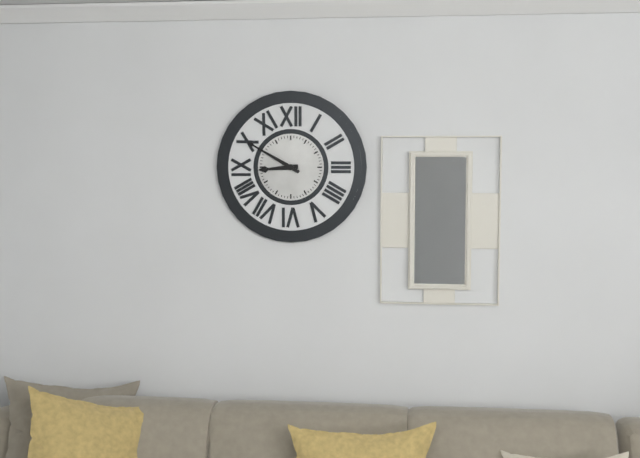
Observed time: 8:50
